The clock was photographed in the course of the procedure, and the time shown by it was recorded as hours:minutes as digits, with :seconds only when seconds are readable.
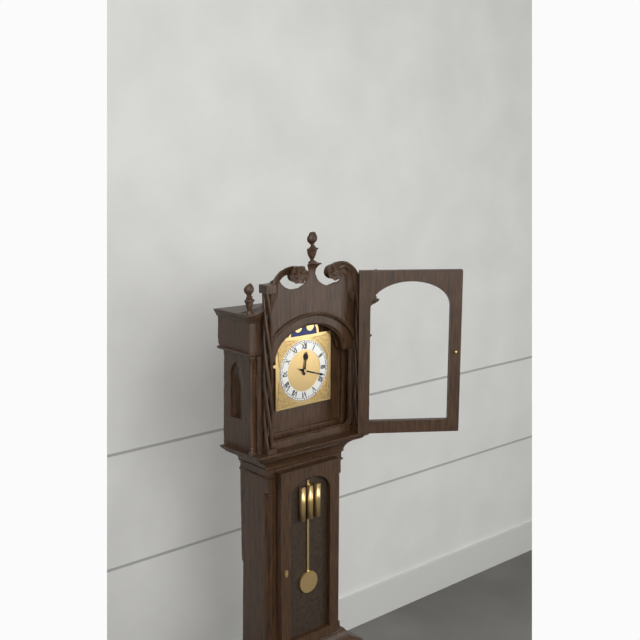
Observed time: 12:18
